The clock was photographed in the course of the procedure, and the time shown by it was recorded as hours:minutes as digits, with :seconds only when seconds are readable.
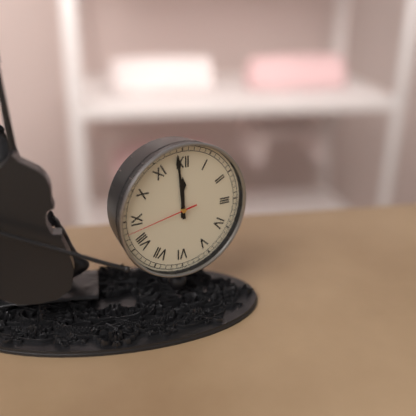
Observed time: 11:59:43
